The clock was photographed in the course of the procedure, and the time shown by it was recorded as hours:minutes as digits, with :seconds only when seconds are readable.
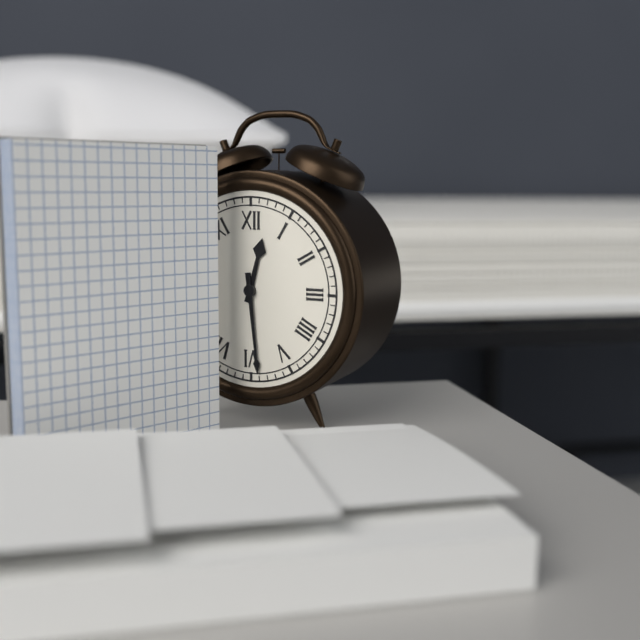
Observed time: 12:29
